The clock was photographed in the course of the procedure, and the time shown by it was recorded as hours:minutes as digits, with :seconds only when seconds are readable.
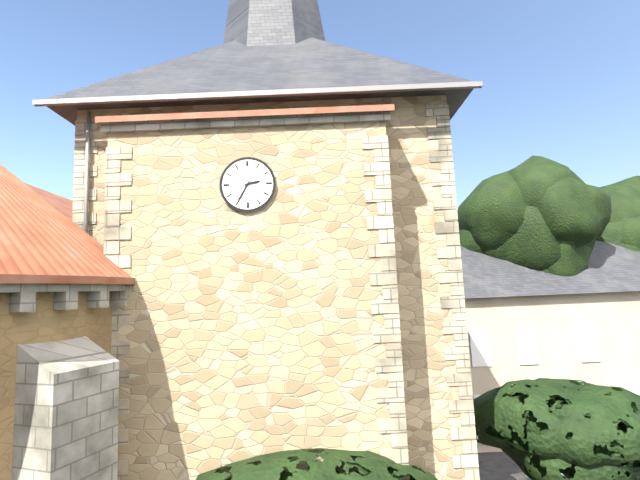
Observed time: 2:35
